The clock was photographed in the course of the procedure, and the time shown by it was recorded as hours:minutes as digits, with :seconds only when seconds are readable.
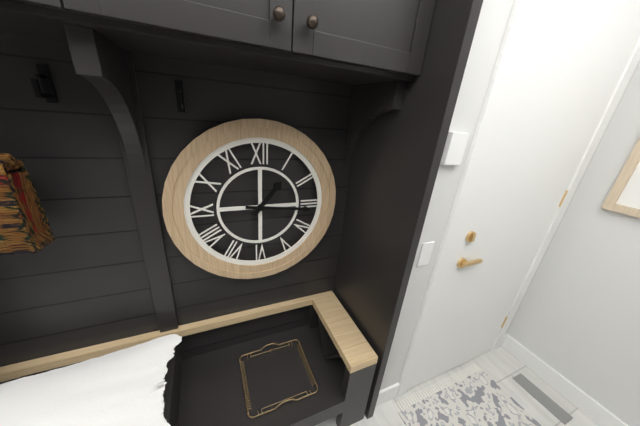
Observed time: 1:16
